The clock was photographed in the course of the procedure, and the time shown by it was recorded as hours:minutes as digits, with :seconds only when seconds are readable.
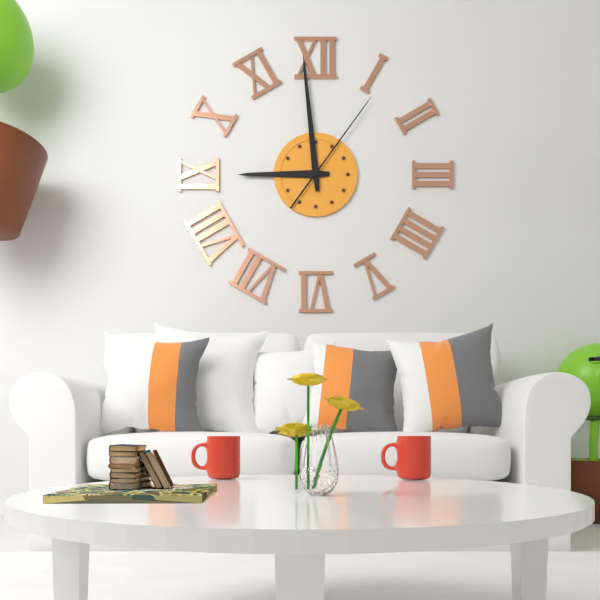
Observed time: 8:59:06
